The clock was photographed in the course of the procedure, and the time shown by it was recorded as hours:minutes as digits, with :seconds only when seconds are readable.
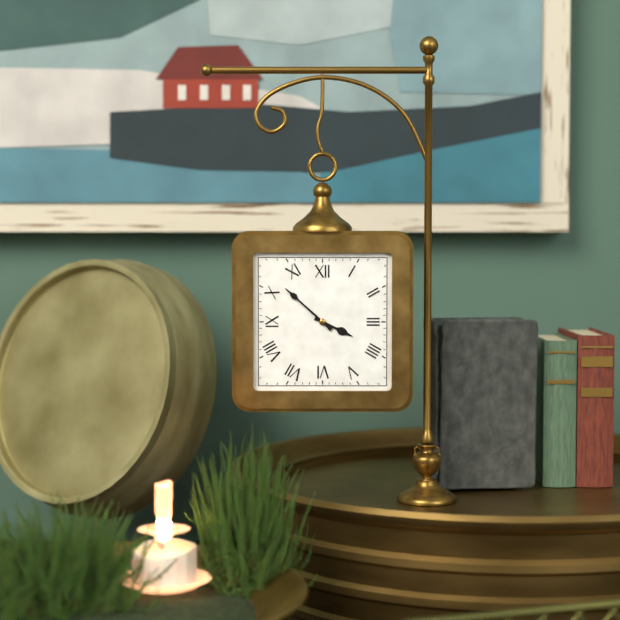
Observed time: 3:52
